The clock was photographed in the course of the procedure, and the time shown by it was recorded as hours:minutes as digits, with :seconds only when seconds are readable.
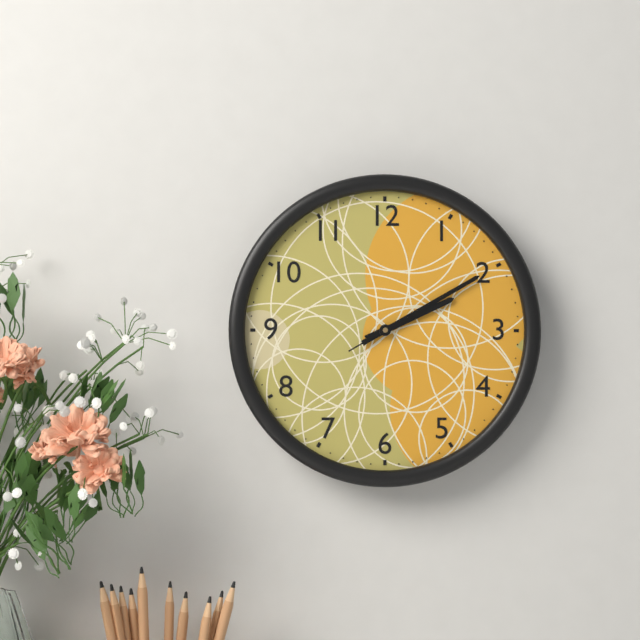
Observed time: 2:10:10
